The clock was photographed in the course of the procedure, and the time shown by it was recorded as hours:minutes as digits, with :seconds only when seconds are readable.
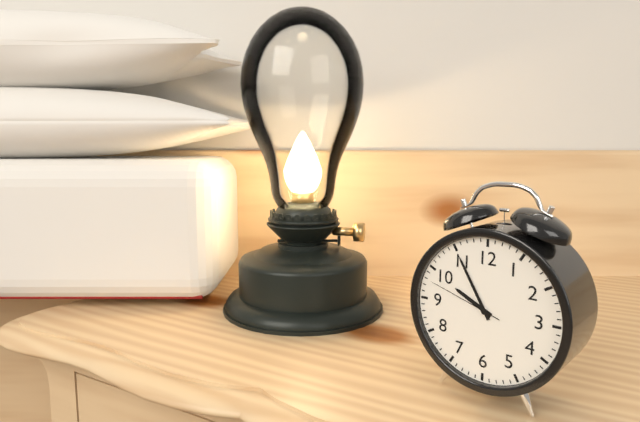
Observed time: 9:55:48
